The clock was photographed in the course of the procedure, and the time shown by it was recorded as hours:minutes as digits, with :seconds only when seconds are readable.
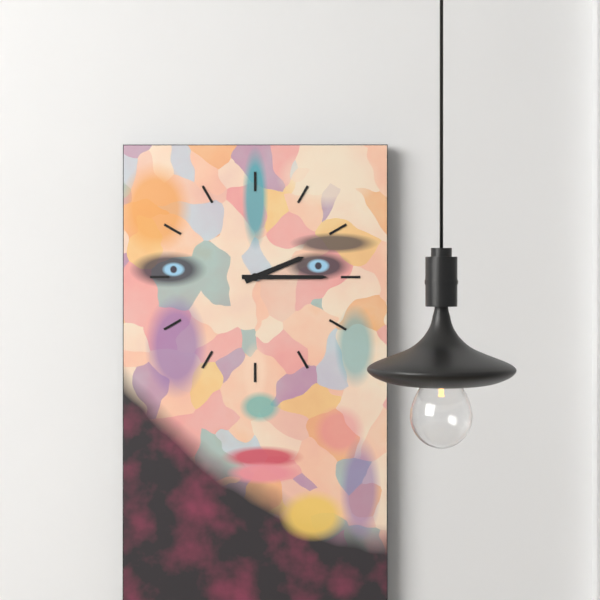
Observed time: 2:15
